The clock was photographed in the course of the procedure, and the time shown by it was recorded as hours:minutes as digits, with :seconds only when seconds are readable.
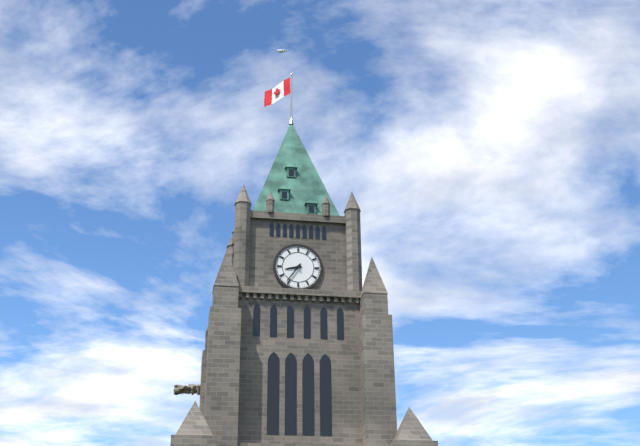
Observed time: 8:36
